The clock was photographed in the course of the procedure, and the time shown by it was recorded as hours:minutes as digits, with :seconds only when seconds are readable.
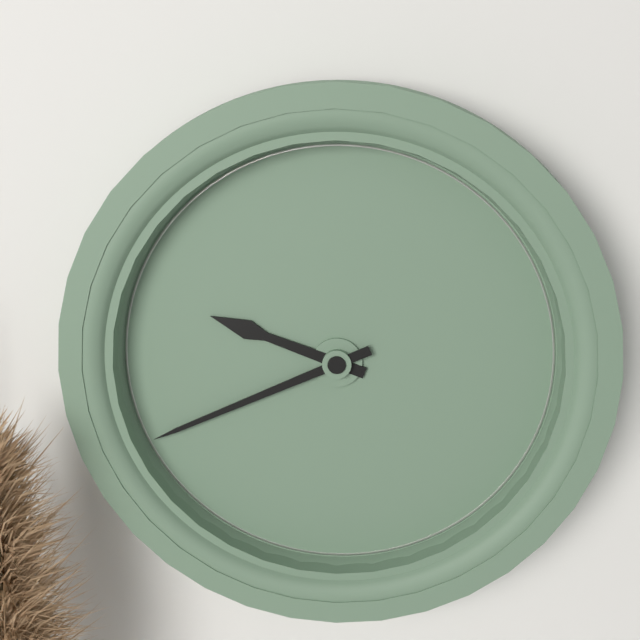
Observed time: 9:41
